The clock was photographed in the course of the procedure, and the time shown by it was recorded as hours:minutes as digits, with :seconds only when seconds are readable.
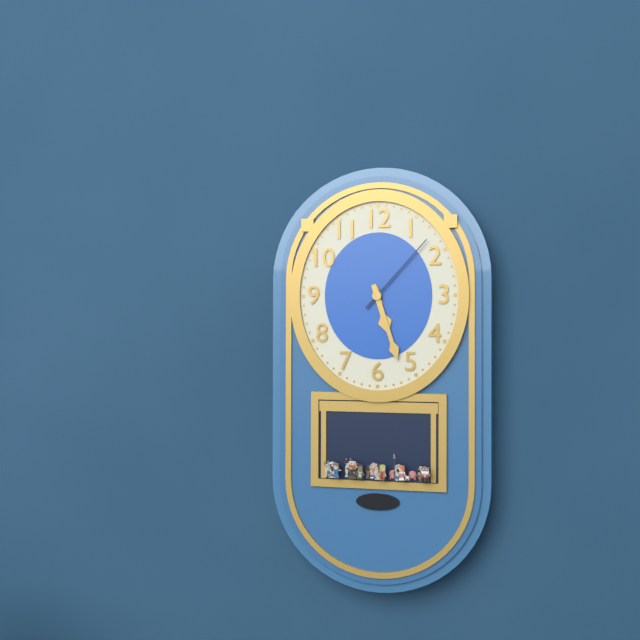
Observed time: 5:27:07
